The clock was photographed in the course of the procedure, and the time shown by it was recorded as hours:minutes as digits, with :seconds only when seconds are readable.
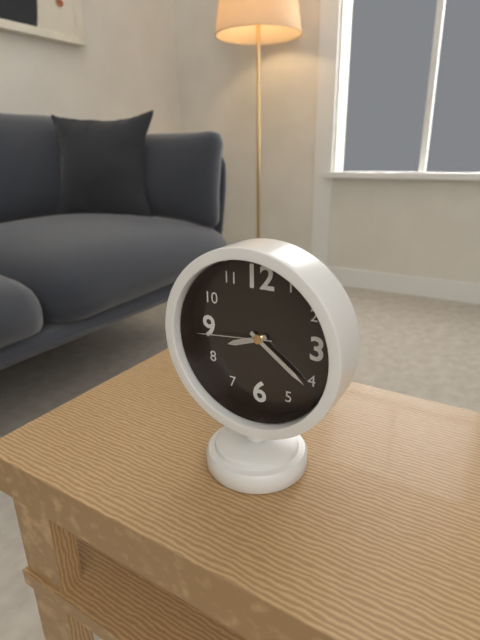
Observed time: 8:21:44
